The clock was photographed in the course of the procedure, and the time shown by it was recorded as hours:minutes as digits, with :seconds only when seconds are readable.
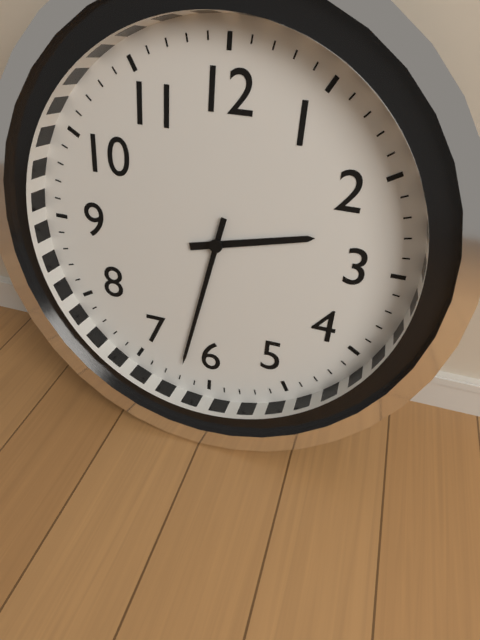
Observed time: 2:32
